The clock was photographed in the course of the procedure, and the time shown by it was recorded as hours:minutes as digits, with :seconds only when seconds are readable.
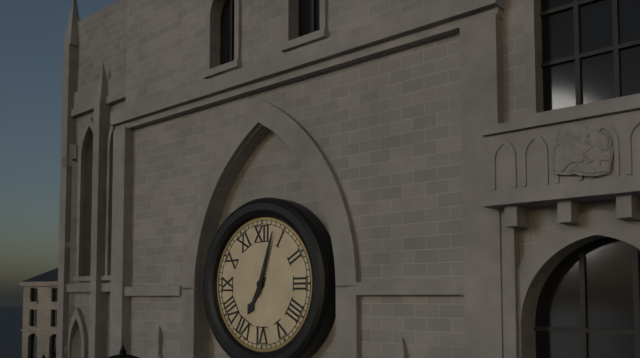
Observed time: 7:03
